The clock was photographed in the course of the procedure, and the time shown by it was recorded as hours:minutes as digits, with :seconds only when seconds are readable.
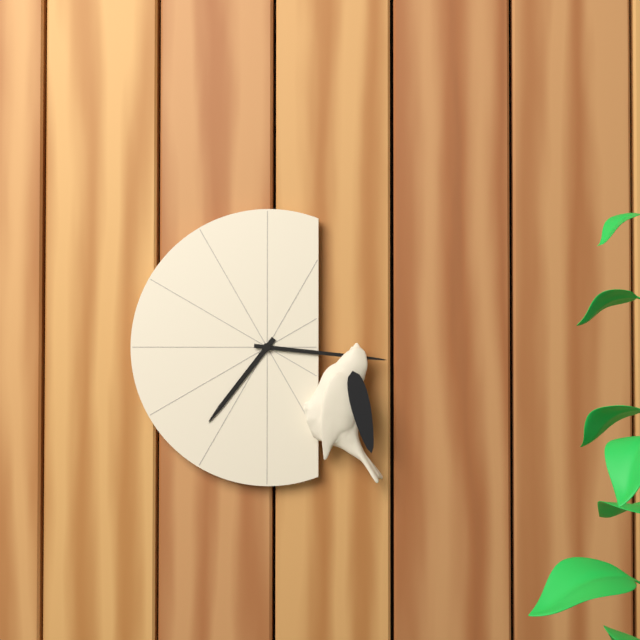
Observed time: 7:16
